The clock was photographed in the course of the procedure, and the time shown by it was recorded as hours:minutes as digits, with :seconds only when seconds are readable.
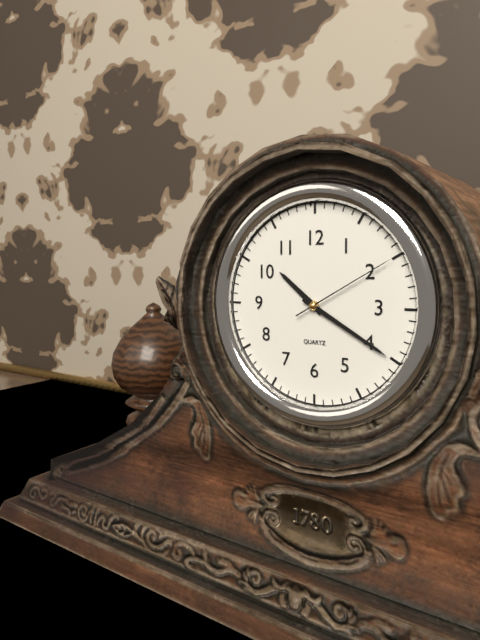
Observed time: 10:20:10
